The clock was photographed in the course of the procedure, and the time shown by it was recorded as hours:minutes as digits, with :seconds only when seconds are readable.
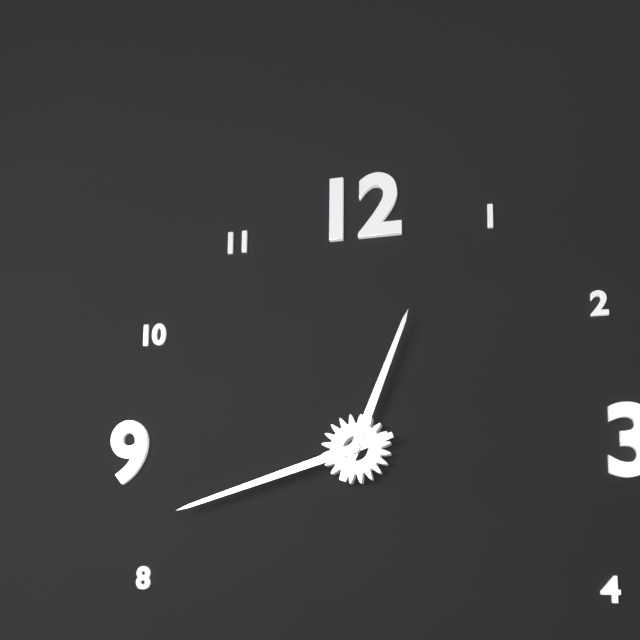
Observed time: 12:42
